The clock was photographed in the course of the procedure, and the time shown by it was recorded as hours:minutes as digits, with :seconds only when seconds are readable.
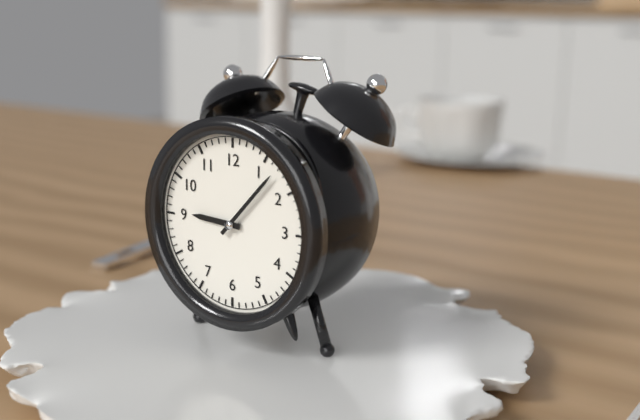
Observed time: 9:07
